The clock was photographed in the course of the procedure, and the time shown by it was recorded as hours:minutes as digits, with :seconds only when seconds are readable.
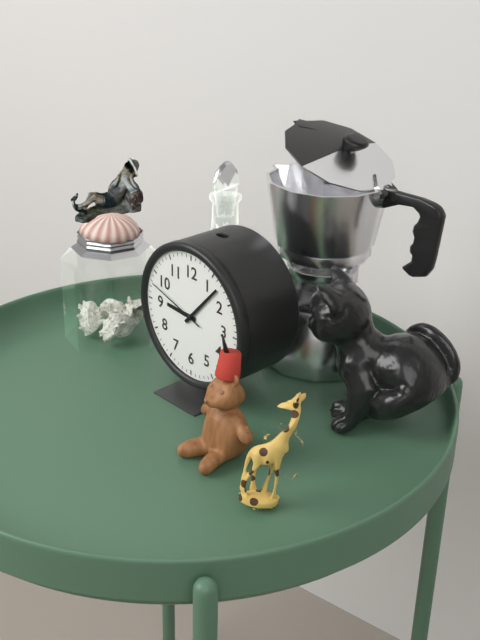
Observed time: 9:07:48
